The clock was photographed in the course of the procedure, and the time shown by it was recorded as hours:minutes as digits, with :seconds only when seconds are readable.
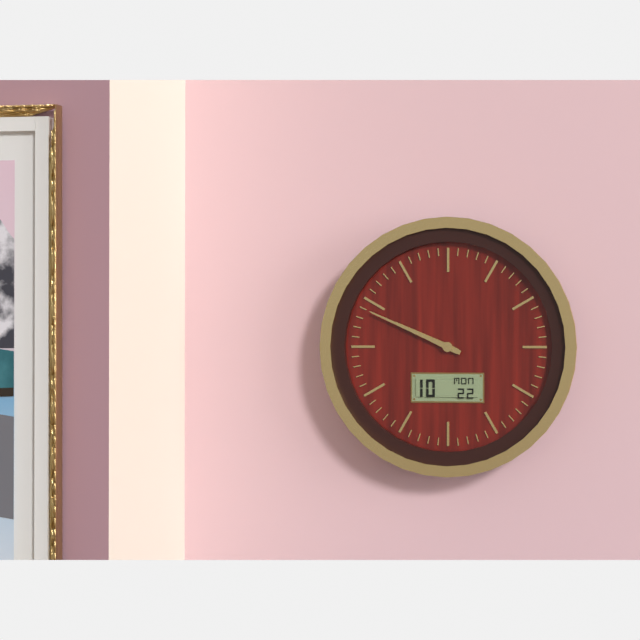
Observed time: 9:49
